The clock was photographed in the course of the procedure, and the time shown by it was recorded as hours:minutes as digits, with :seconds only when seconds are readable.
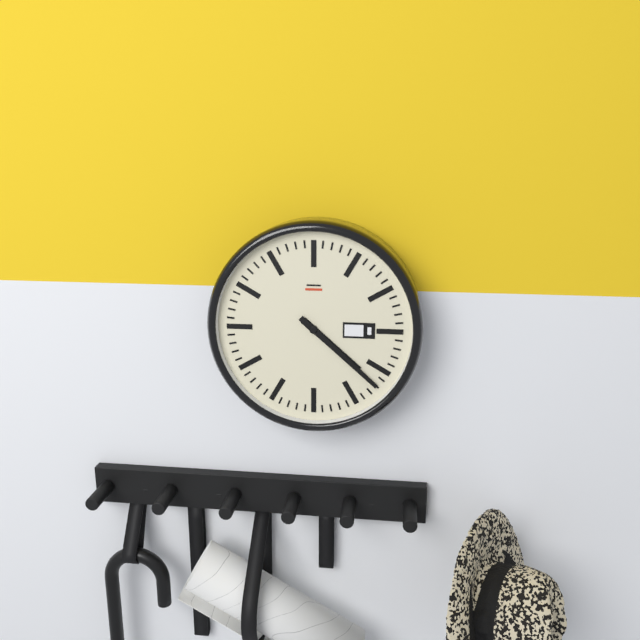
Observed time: 4:22
